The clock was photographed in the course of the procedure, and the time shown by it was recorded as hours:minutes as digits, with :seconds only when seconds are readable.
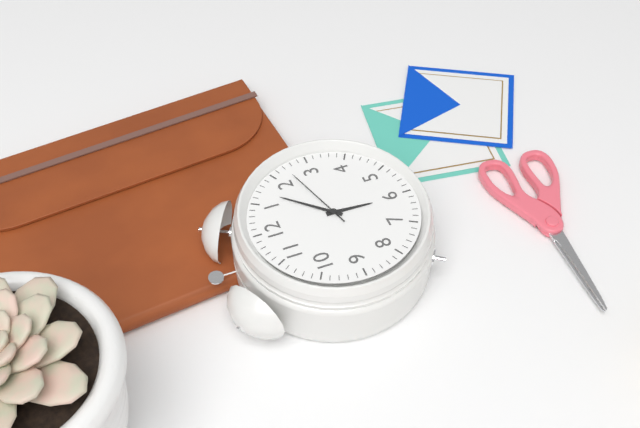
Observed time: 6:07:12
